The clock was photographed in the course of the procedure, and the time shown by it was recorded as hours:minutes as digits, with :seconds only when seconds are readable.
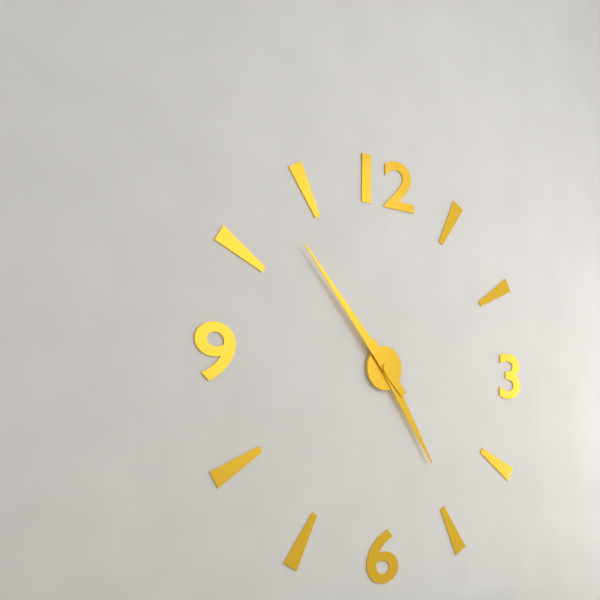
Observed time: 4:53
